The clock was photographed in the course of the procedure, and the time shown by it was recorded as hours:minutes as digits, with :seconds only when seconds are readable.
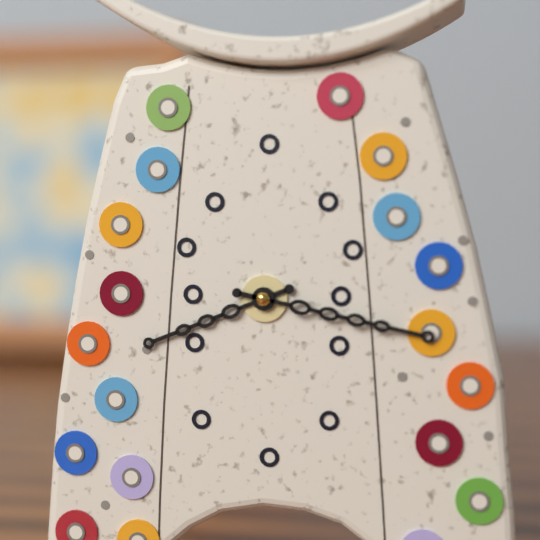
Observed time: 8:17
